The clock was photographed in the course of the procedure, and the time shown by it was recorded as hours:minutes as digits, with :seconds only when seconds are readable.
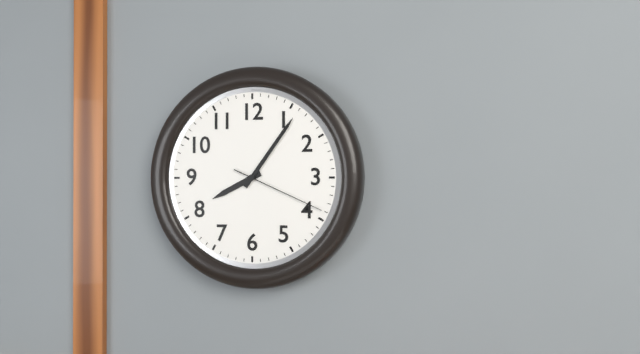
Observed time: 8:06:19
